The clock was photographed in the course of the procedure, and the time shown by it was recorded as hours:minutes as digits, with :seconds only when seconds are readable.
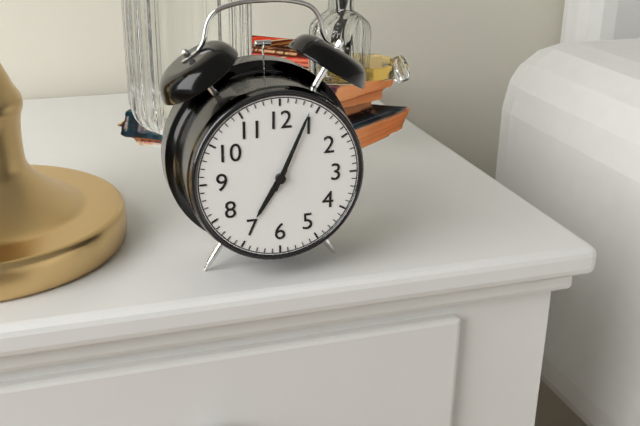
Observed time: 7:04
